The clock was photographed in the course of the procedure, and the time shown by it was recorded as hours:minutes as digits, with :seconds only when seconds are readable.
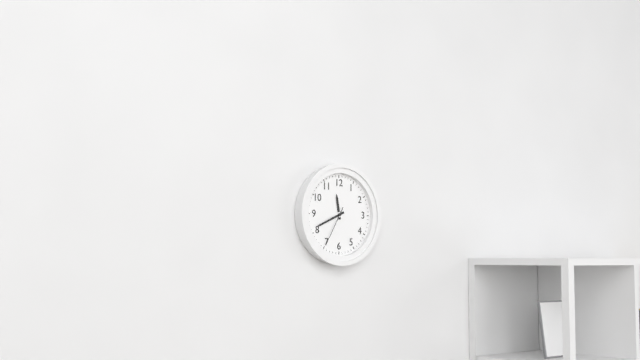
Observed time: 11:41
